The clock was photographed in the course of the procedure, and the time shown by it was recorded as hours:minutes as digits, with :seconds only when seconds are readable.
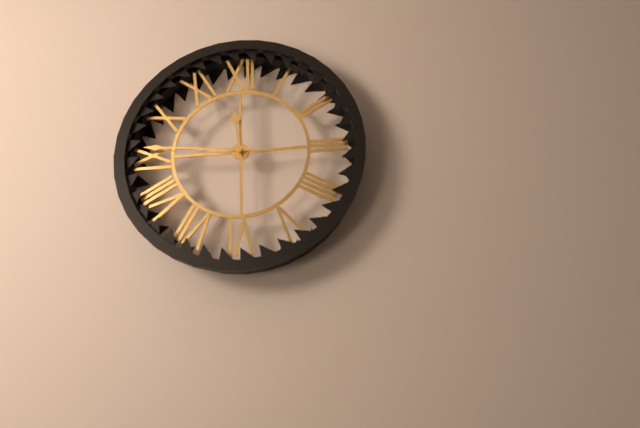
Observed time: 11:46
